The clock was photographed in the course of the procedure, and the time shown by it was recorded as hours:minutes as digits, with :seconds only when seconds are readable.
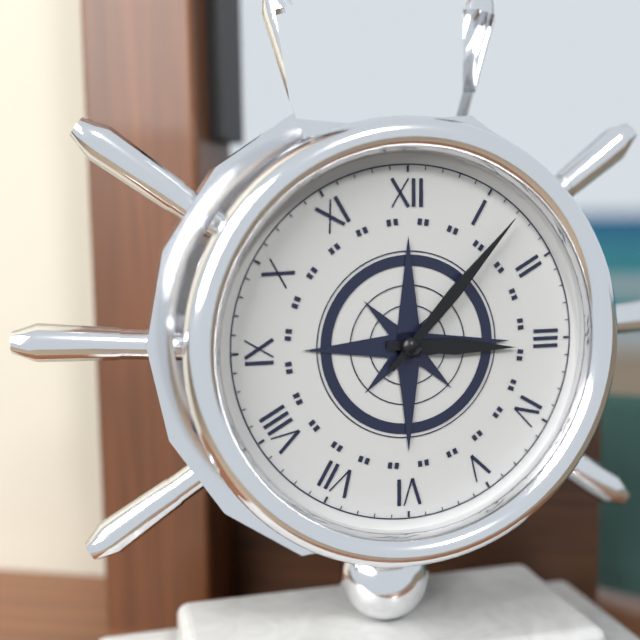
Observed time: 3:07
